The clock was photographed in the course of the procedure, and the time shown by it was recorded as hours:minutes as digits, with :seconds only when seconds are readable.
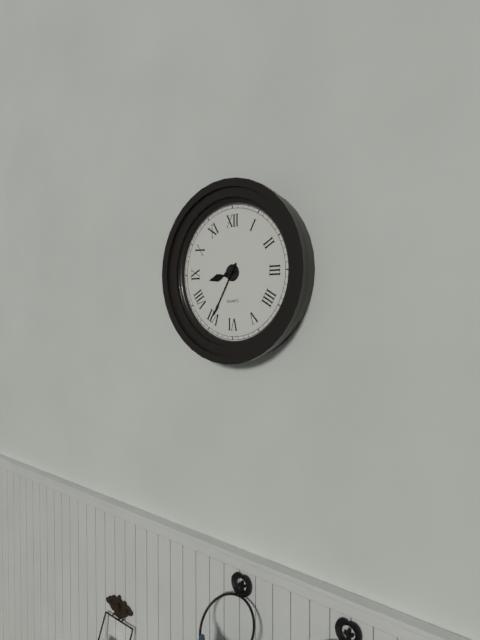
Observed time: 8:35
